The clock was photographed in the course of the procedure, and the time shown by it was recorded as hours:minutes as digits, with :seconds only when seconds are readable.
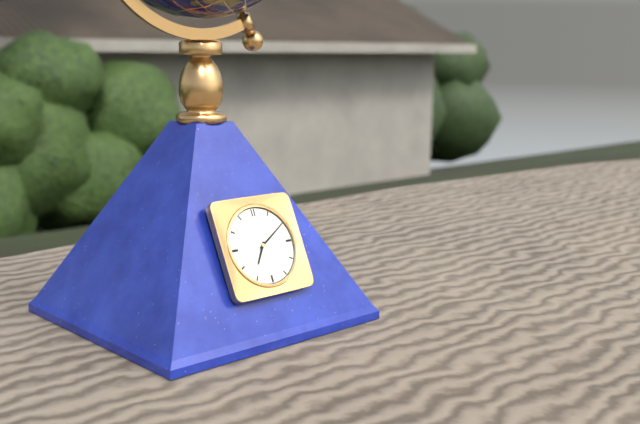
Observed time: 7:10
